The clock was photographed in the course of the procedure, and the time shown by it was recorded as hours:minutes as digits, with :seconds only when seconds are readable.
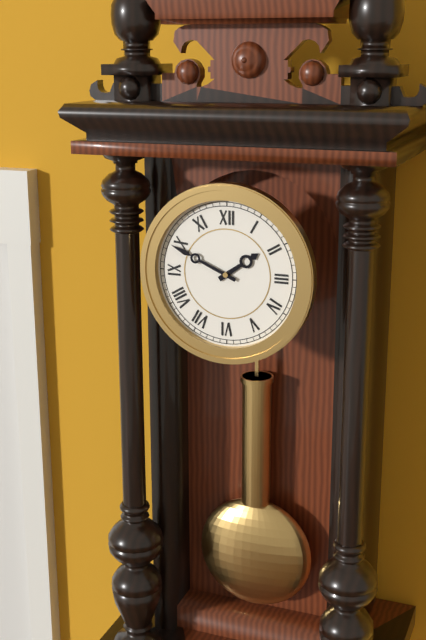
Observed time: 1:49
